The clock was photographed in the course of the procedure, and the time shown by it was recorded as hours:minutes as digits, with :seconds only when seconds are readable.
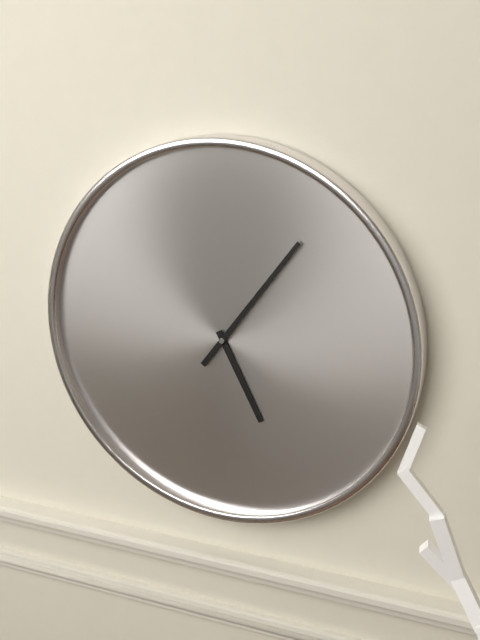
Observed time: 5:06
